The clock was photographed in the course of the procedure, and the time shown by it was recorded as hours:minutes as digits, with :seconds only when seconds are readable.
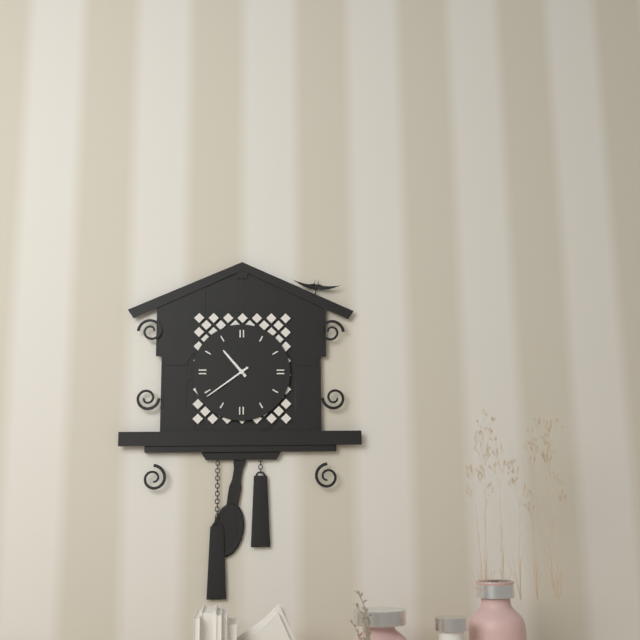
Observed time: 10:39
